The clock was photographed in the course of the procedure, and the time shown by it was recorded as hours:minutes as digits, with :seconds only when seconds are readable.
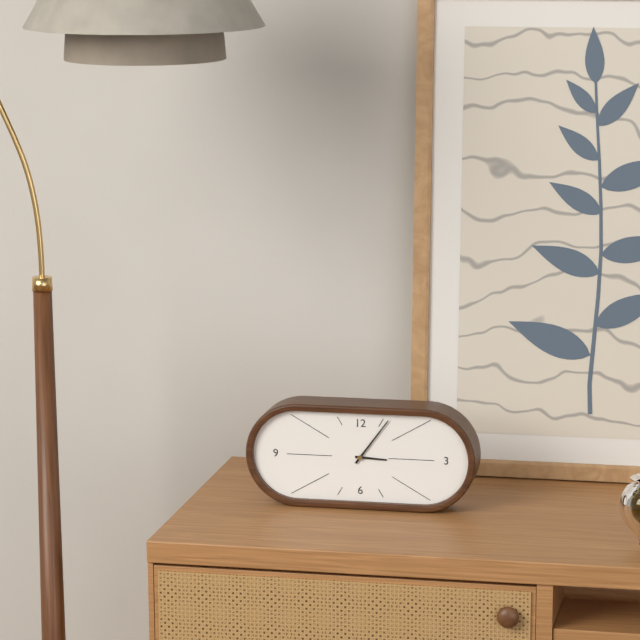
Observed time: 3:06
